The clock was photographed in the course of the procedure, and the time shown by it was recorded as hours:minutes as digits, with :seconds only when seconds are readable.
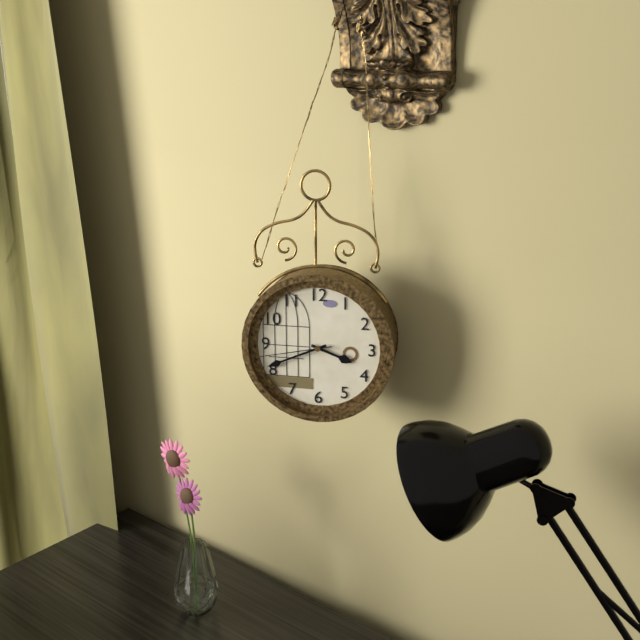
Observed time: 3:41:43
